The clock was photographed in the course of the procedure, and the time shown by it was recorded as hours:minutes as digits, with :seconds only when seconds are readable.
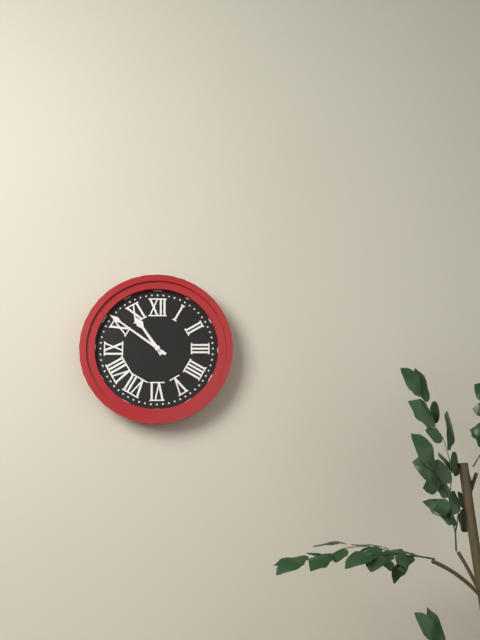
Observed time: 10:51
